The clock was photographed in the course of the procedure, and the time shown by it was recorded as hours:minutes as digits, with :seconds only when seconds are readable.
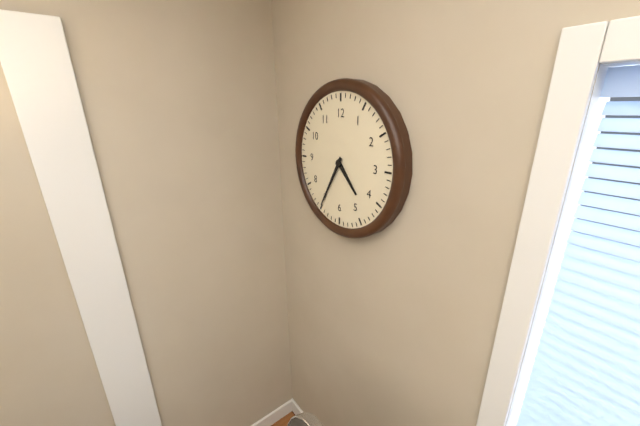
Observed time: 4:35
